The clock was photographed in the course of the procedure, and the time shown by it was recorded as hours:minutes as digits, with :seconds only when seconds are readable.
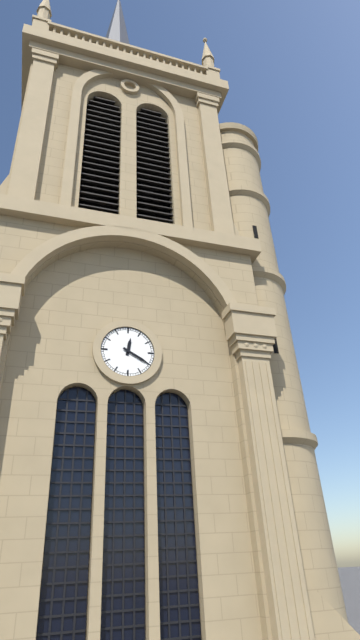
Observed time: 12:20
